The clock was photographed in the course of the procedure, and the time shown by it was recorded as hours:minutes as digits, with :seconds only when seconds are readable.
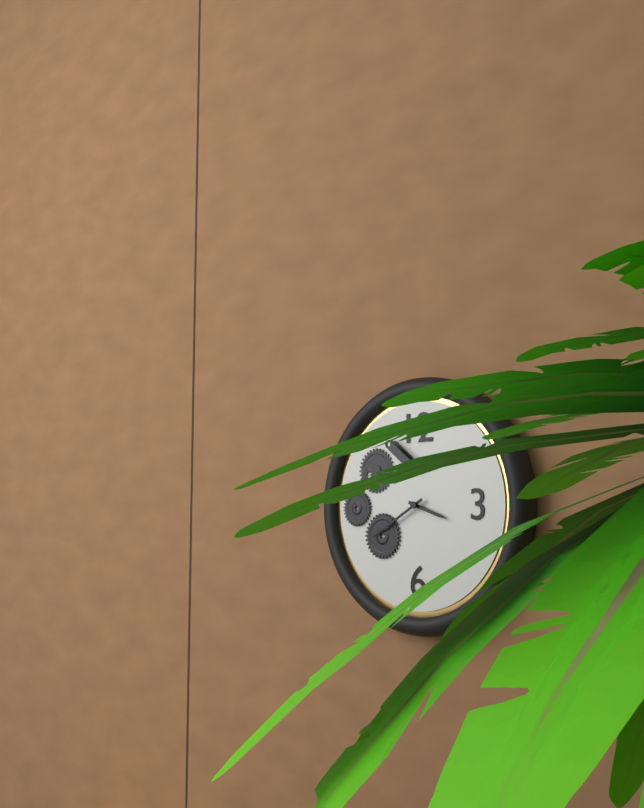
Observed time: 3:40
